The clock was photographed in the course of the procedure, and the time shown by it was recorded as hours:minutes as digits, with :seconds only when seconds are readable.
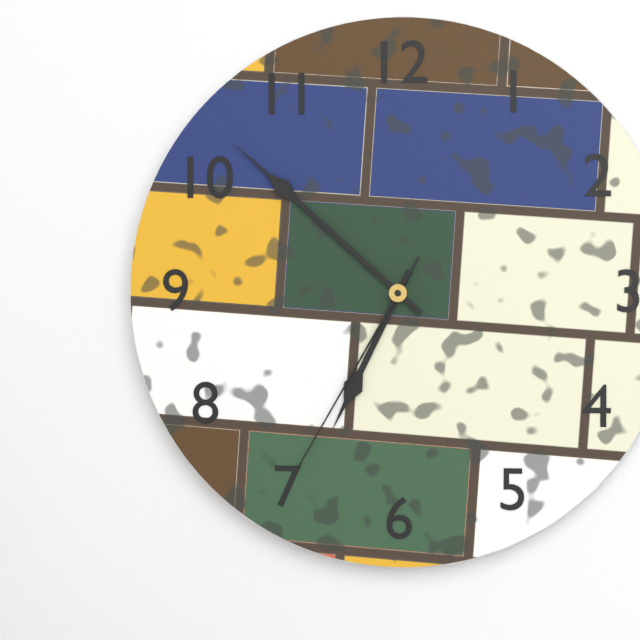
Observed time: 6:52:35
